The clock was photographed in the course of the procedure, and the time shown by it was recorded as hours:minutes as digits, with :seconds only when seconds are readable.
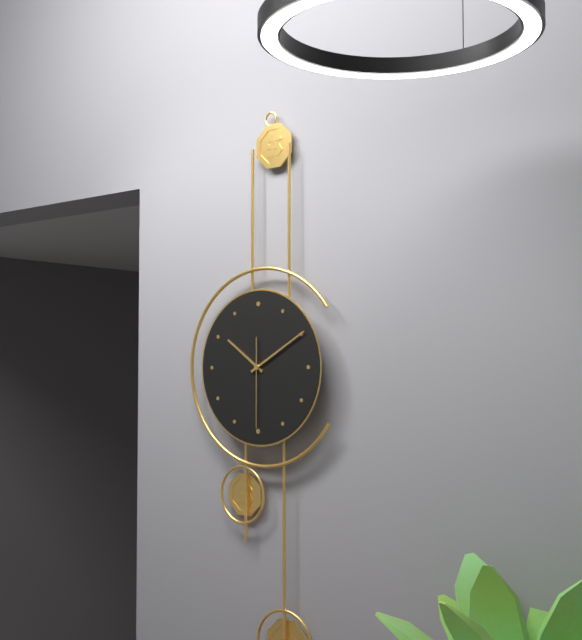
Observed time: 10:10:30
